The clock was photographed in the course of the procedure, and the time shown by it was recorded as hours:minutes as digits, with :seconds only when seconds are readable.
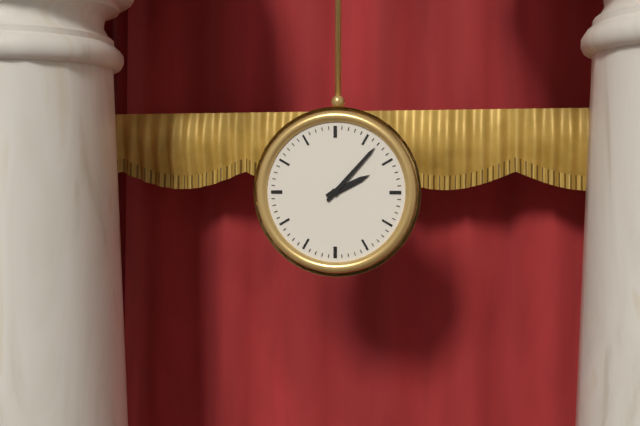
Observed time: 2:07
